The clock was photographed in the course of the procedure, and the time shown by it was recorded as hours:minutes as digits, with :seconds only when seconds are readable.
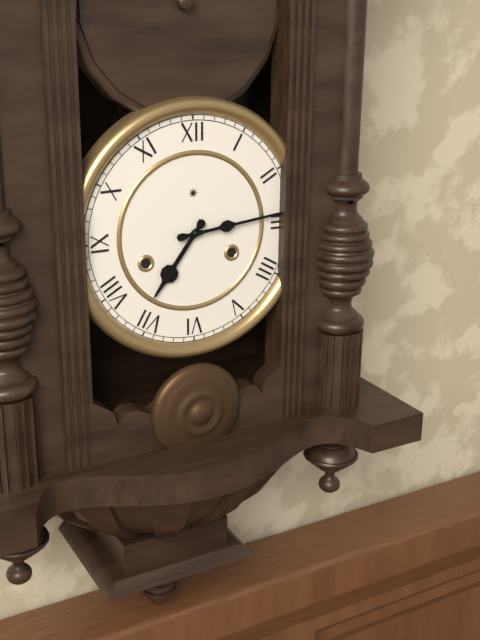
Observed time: 7:14
